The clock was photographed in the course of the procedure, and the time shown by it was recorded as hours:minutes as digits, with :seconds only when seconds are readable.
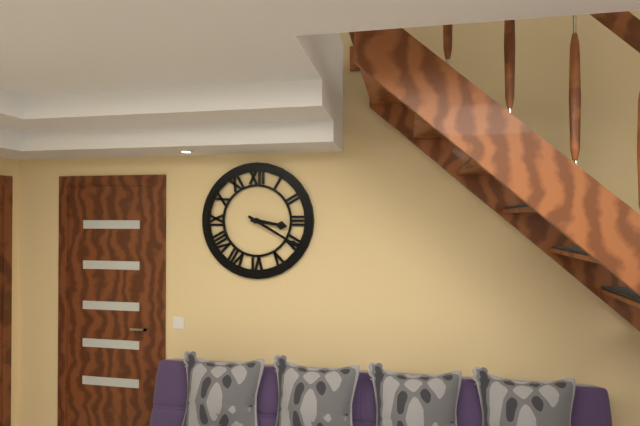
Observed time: 3:20
